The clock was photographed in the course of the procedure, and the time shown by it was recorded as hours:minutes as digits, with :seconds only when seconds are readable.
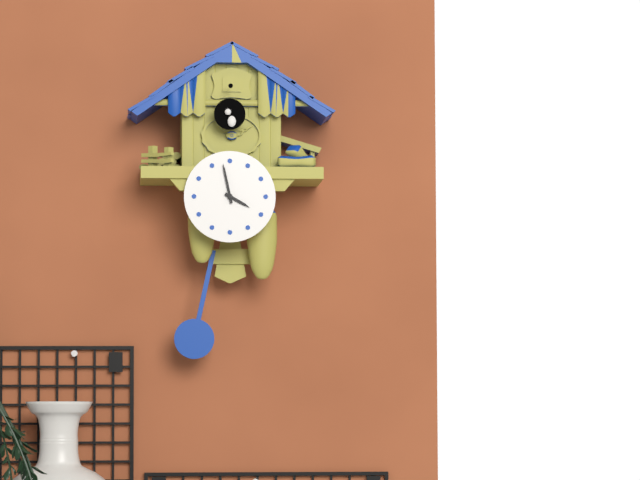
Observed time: 3:58
